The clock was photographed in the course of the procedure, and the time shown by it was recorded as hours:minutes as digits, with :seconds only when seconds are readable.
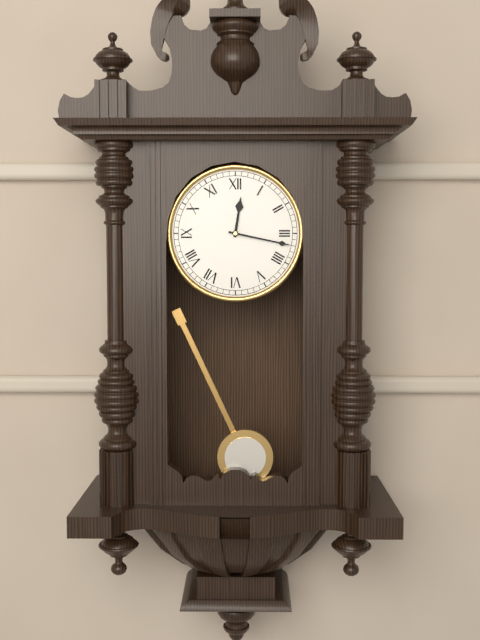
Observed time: 12:17
